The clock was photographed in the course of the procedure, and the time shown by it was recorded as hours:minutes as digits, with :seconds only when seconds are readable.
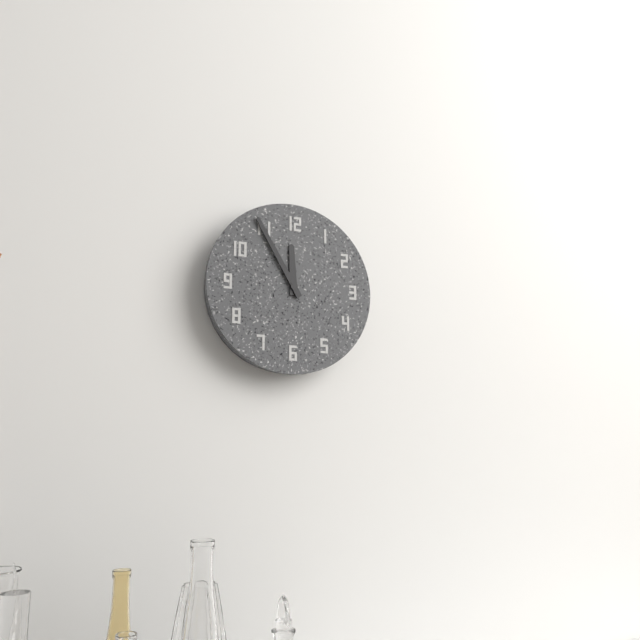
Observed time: 11:55
